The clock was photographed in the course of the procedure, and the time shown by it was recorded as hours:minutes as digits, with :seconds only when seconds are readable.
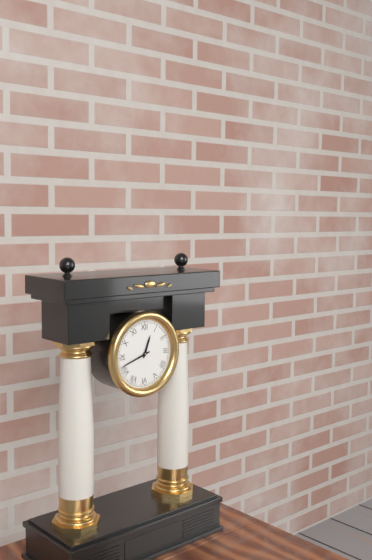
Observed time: 12:42
